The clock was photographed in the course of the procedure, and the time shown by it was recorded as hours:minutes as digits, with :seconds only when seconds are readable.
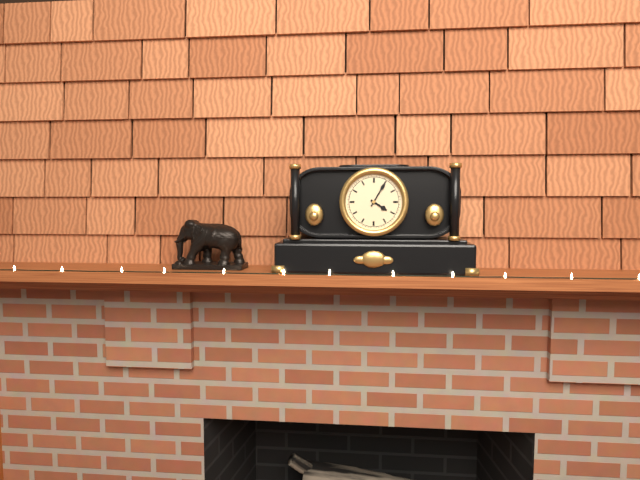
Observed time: 4:05
